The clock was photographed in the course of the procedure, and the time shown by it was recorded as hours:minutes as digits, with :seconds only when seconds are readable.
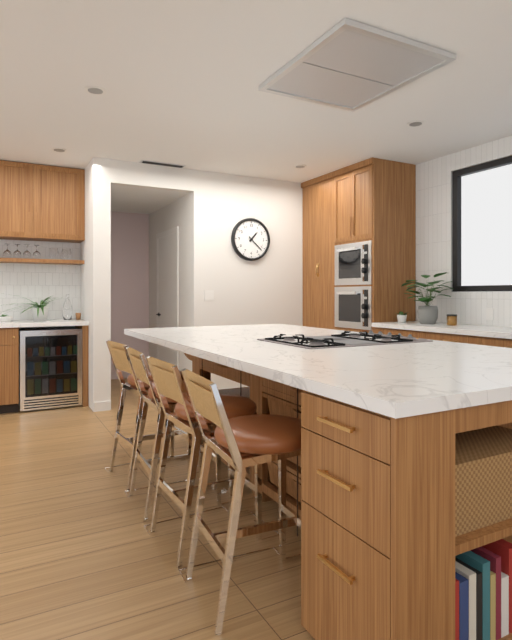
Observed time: 1:22
